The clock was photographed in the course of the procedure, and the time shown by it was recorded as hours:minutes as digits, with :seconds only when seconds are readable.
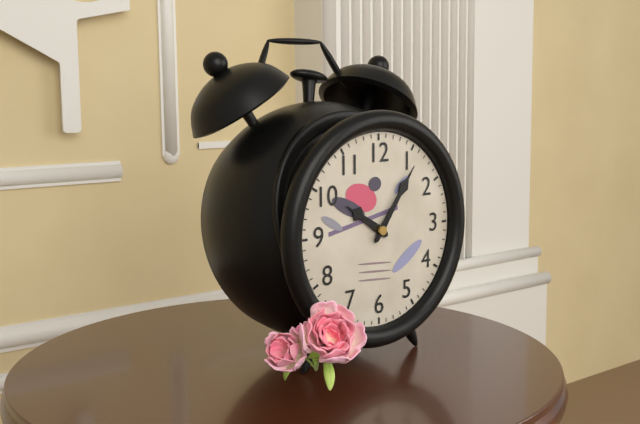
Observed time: 10:06
